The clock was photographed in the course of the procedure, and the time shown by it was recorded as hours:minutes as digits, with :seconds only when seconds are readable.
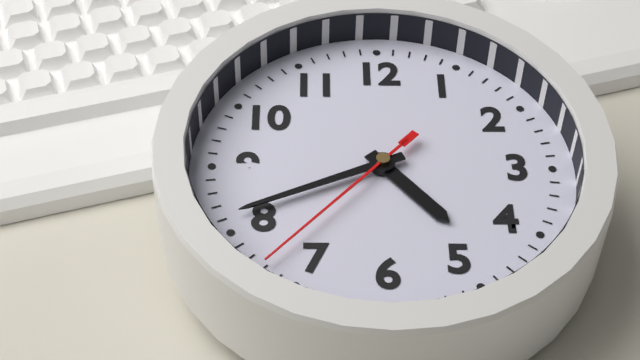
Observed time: 4:41:37
